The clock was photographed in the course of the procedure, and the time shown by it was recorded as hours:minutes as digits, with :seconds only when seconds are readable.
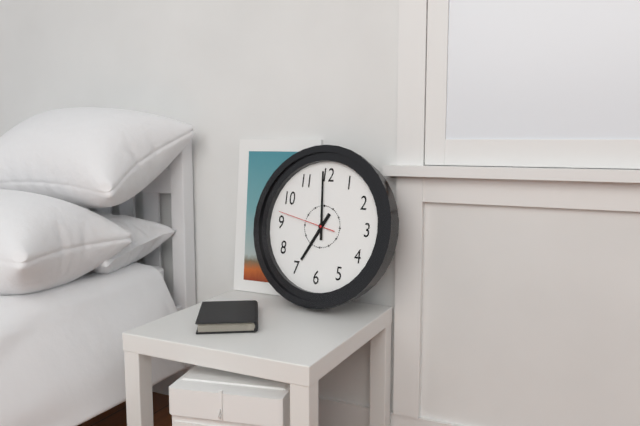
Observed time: 6:59:47
